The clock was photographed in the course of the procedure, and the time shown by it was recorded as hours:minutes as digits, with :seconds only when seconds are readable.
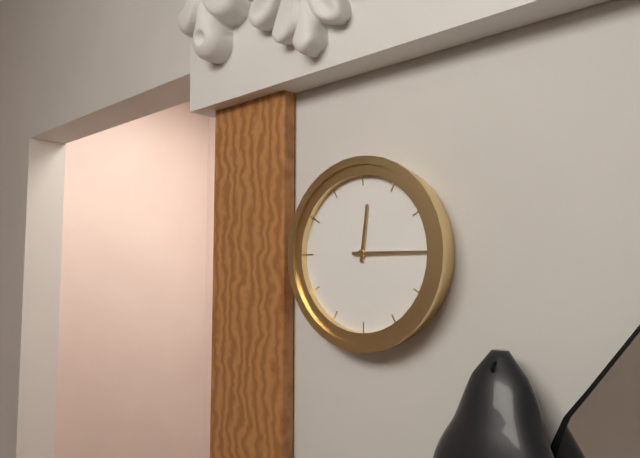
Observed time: 12:15
